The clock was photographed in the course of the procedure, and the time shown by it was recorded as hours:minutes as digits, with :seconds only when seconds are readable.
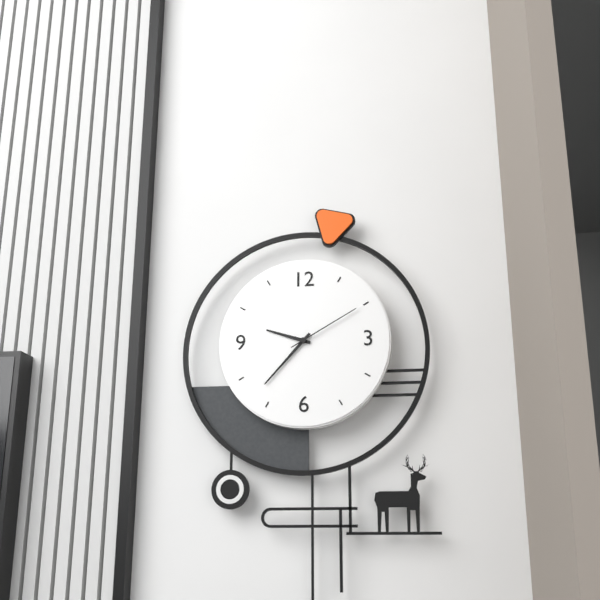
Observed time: 9:37:10
